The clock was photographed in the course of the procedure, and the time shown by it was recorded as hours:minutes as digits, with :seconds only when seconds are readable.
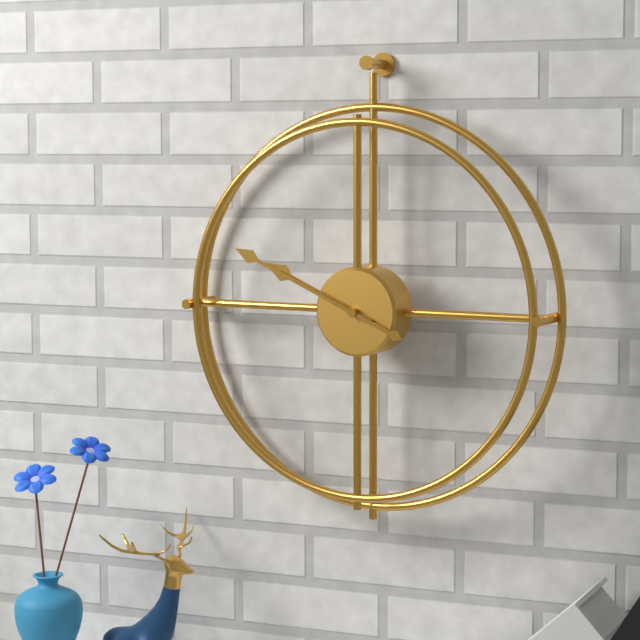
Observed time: 9:49
